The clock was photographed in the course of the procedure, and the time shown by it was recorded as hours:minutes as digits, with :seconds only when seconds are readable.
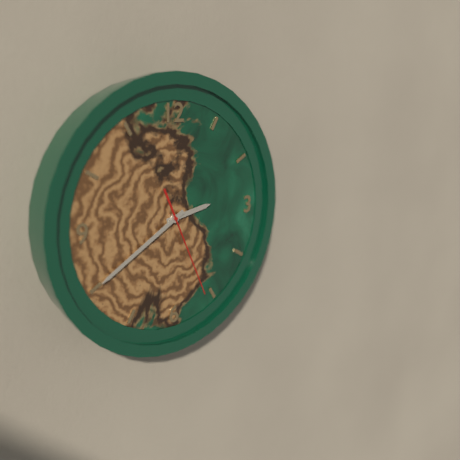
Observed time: 2:40:26
